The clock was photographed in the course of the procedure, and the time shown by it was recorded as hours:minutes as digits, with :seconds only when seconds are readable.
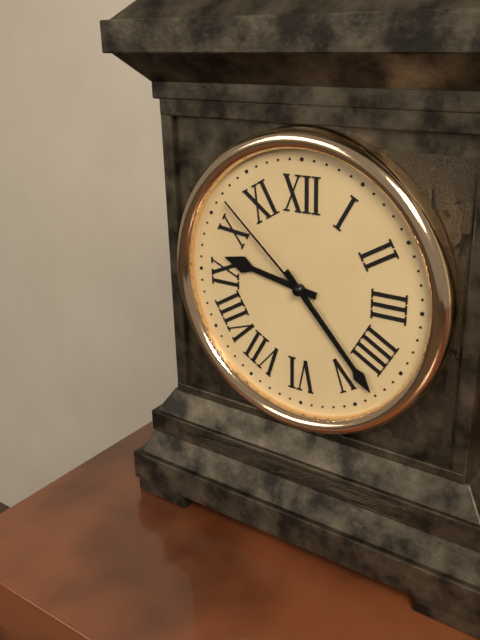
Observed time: 9:23:52
